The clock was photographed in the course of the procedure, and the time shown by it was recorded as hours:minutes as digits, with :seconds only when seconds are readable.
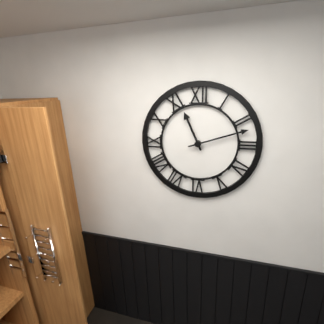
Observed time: 11:12
